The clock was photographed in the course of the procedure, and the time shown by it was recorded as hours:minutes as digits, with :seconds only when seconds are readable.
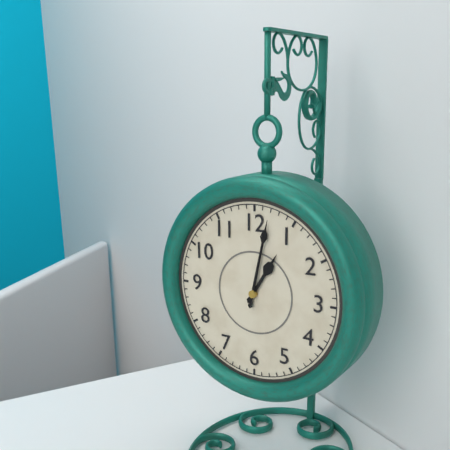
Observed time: 1:02
